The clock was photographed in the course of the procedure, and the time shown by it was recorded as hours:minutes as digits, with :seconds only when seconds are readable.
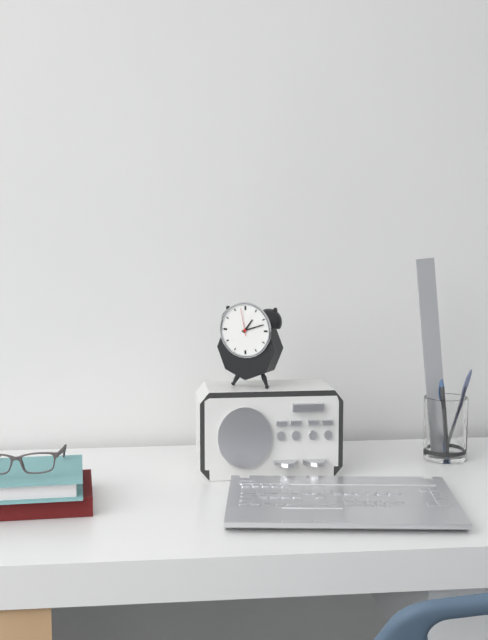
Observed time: 1:12
